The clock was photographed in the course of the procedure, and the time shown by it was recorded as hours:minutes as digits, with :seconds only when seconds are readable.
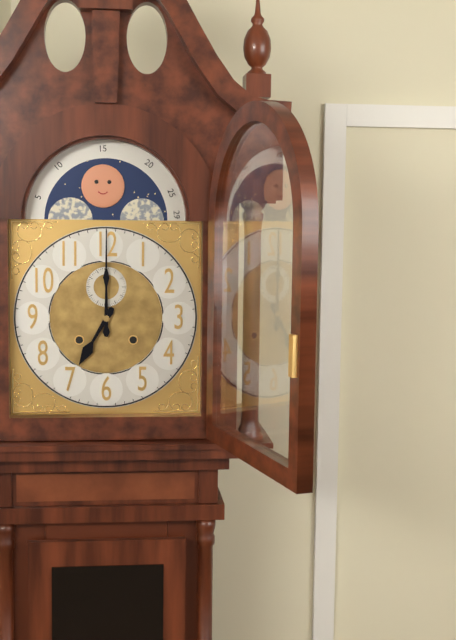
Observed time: 7:00
